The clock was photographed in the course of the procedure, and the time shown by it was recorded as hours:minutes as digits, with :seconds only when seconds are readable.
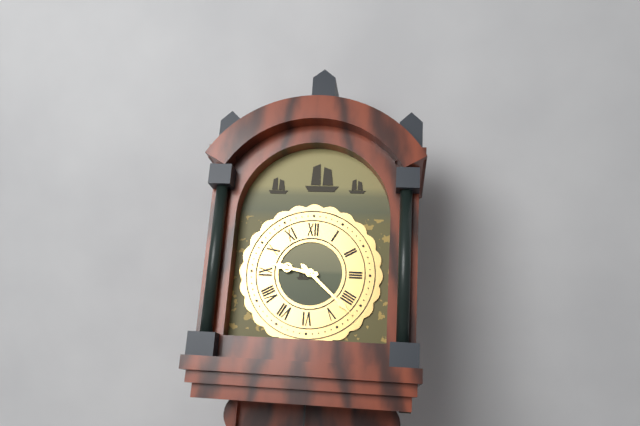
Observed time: 9:22
